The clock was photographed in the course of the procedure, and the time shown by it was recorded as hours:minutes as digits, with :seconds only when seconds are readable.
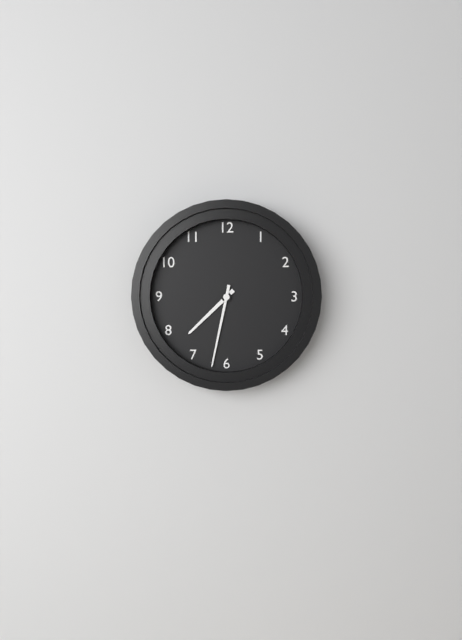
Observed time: 7:32
